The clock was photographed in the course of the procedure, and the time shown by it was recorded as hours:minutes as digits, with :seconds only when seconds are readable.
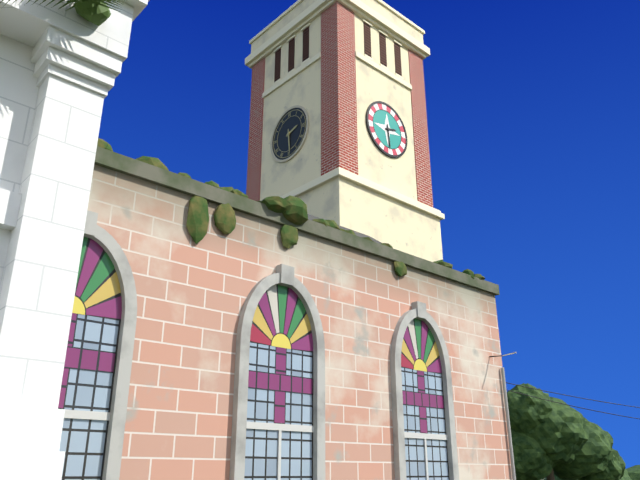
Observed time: 2:29
